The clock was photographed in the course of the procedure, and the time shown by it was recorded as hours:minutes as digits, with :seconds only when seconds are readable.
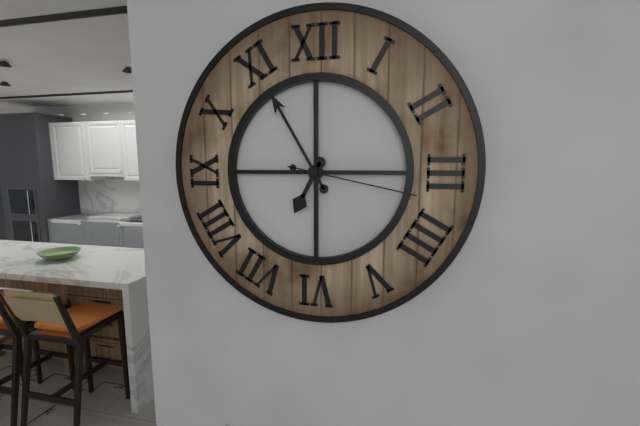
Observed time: 6:55:17
